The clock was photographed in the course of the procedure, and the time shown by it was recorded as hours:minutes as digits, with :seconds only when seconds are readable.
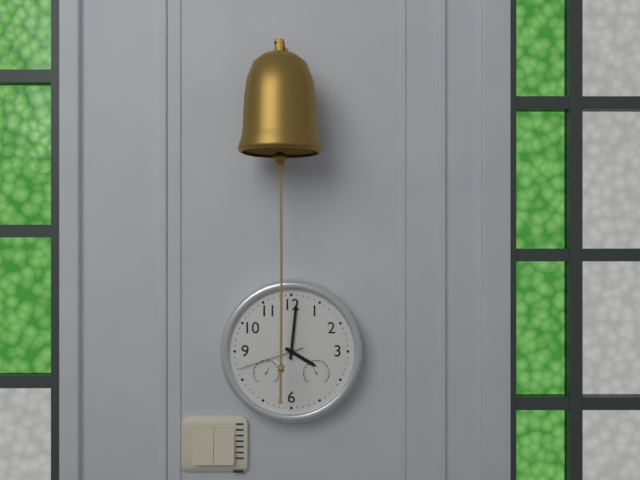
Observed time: 4:01:42
